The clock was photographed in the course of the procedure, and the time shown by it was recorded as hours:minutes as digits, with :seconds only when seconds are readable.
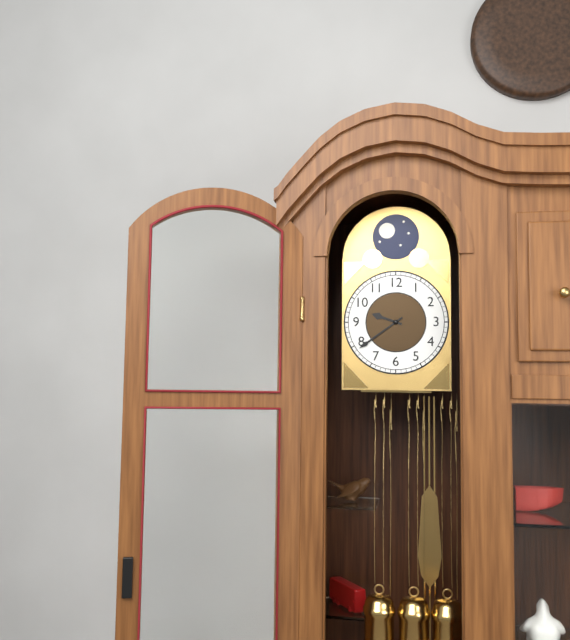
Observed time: 9:39
